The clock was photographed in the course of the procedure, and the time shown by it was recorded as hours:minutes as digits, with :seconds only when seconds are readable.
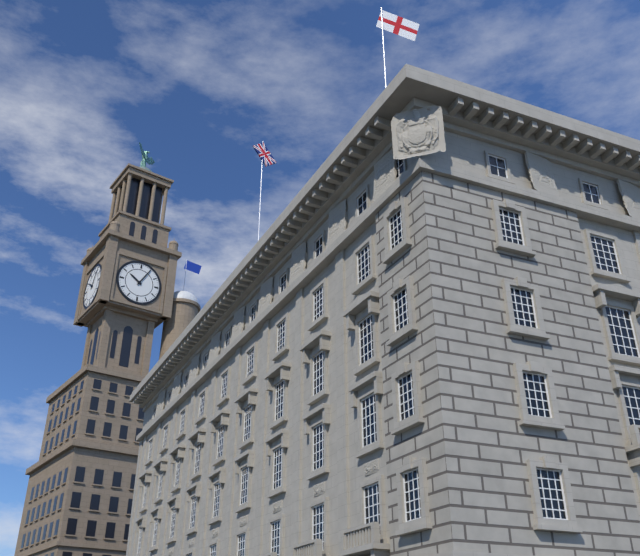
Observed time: 10:05
